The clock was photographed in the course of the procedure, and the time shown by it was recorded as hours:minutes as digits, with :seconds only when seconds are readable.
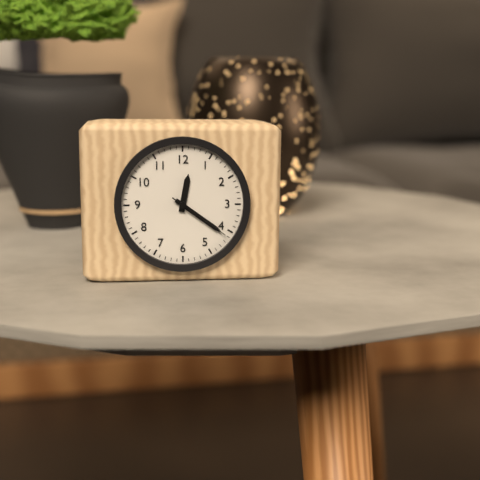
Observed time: 12:21:21
